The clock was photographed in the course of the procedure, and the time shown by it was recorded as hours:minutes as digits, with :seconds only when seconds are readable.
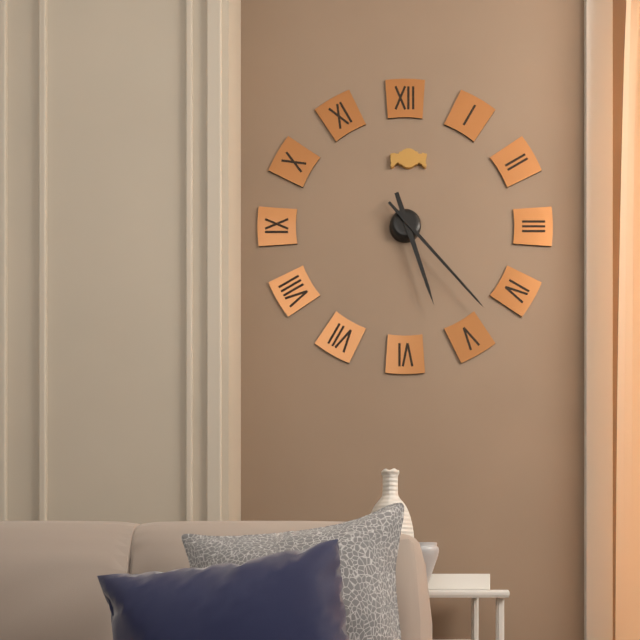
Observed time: 5:23
